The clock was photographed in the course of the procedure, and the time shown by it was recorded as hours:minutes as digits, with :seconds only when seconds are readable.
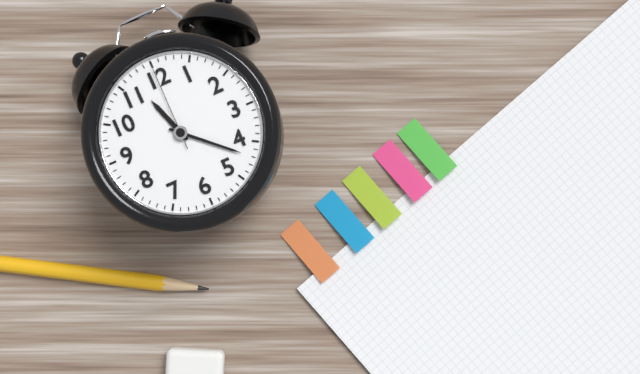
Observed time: 11:22:00
